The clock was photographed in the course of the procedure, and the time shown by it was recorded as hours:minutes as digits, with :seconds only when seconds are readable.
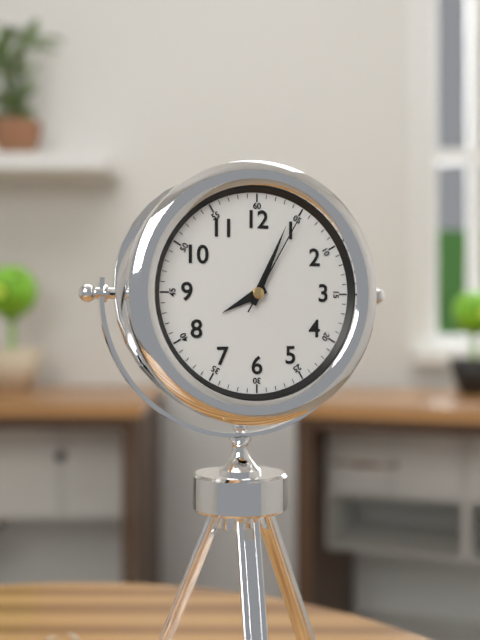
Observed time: 8:04:05
